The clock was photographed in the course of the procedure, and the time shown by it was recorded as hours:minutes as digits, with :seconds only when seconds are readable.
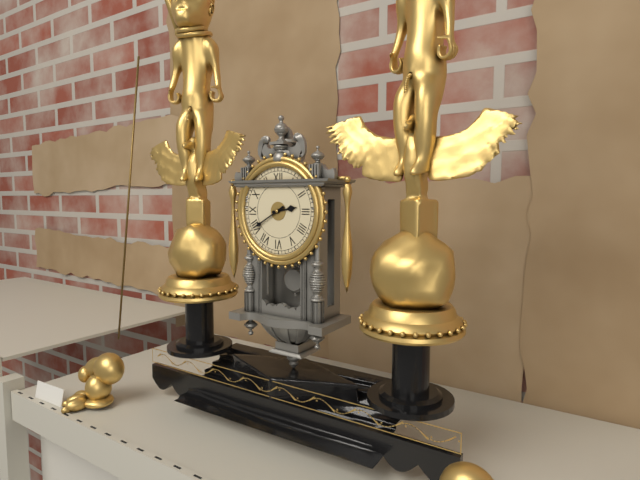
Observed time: 2:40
